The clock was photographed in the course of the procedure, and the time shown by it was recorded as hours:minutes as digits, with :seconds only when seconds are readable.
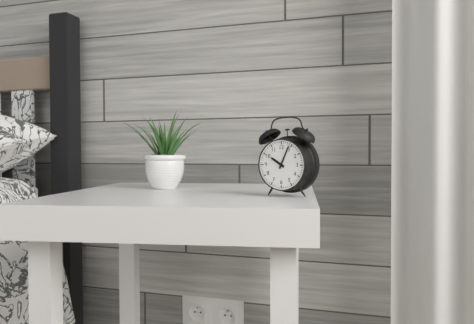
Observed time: 10:04
